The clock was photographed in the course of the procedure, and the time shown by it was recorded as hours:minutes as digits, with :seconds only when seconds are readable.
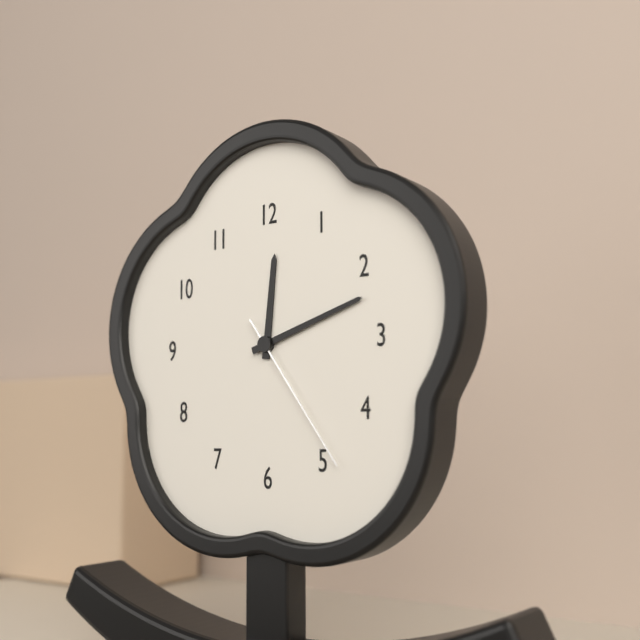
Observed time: 12:12:24
